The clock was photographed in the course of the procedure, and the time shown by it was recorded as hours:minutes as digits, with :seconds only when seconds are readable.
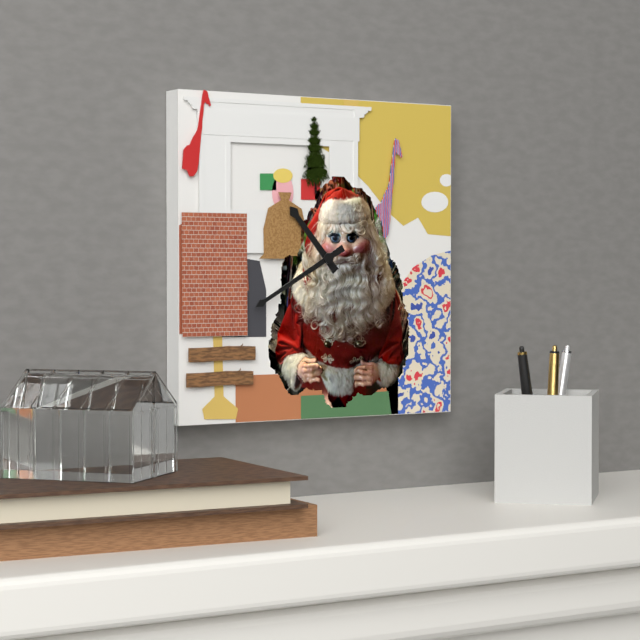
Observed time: 10:40
